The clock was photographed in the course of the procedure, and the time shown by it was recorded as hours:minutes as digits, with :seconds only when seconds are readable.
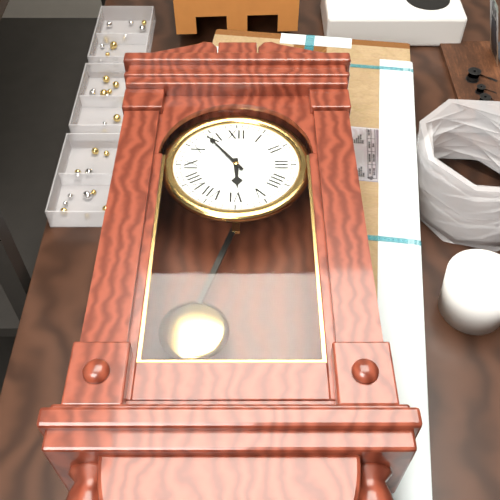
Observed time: 5:54
